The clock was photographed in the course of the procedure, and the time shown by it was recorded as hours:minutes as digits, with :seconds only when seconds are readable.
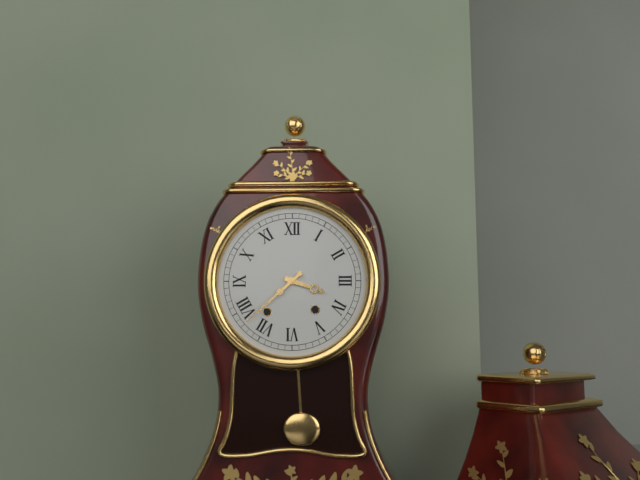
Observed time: 3:38
